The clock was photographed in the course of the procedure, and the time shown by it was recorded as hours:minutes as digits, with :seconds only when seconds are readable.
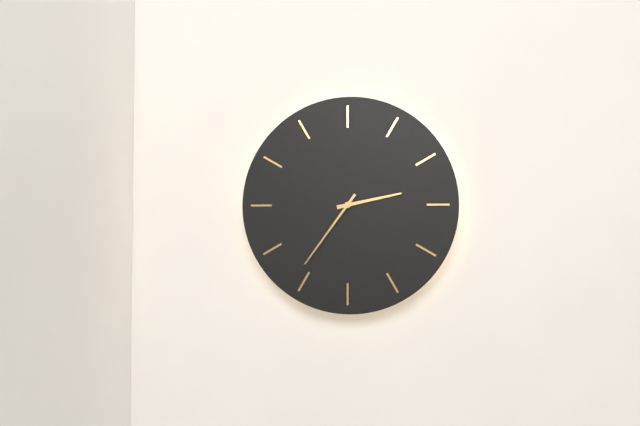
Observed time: 2:36
